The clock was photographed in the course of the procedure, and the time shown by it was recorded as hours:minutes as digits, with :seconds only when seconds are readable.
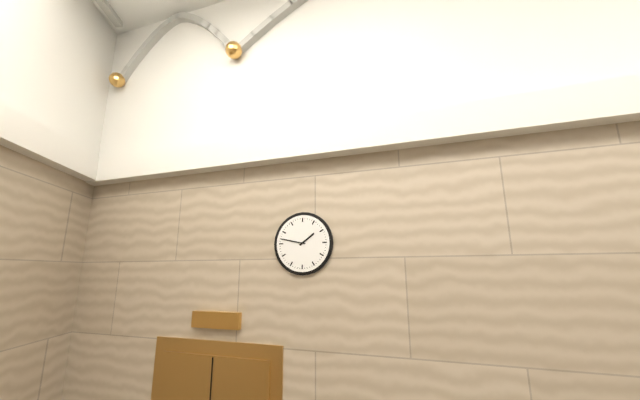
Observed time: 1:47
